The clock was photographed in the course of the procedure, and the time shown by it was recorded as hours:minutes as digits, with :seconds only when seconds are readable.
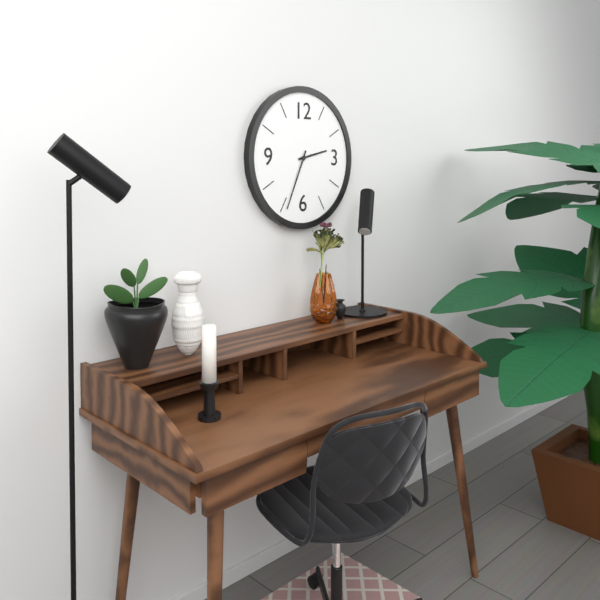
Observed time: 2:34
